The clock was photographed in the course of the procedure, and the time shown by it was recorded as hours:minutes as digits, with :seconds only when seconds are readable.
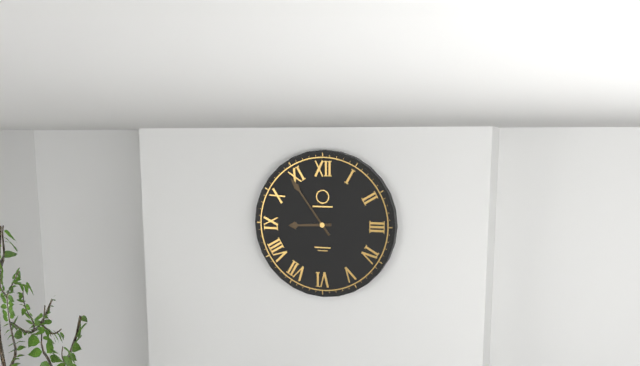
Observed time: 8:54
